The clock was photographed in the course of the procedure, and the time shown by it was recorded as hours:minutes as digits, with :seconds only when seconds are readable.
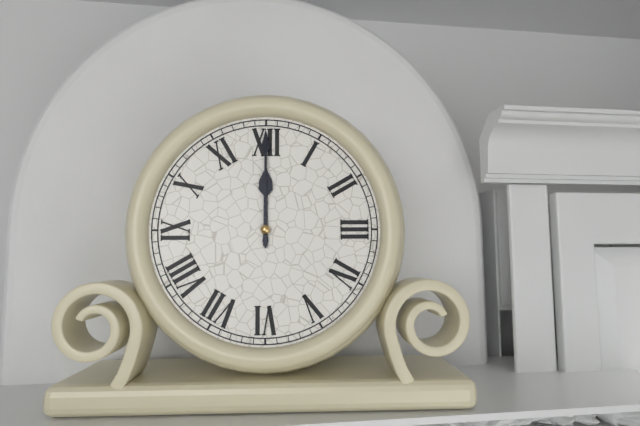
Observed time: 12:00
